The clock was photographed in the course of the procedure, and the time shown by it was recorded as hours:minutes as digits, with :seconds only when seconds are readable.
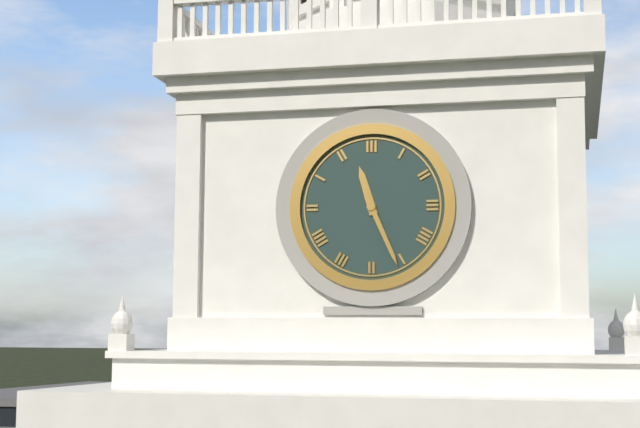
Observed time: 11:26
